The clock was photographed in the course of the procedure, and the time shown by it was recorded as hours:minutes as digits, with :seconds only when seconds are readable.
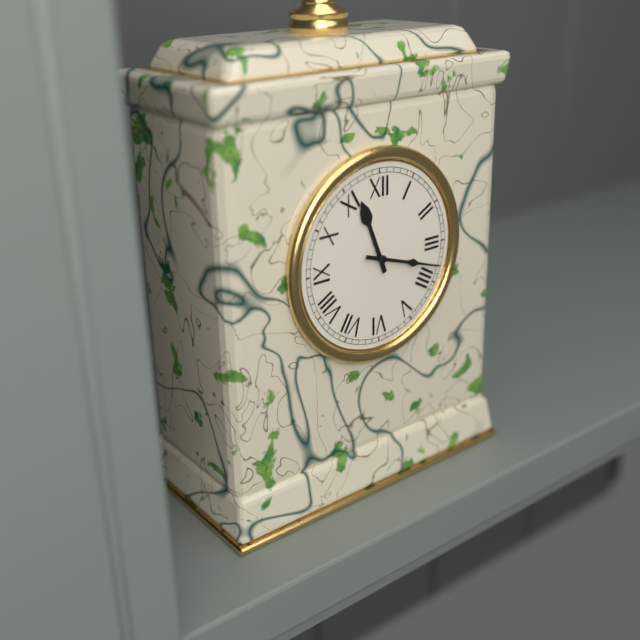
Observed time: 11:18
